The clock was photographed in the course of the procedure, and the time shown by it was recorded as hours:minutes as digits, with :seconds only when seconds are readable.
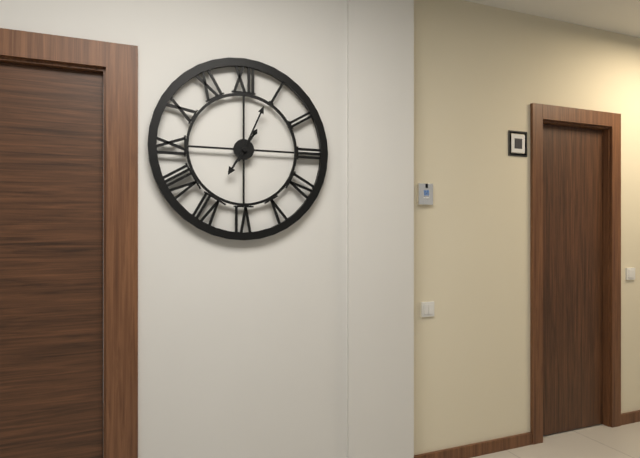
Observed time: 7:04
